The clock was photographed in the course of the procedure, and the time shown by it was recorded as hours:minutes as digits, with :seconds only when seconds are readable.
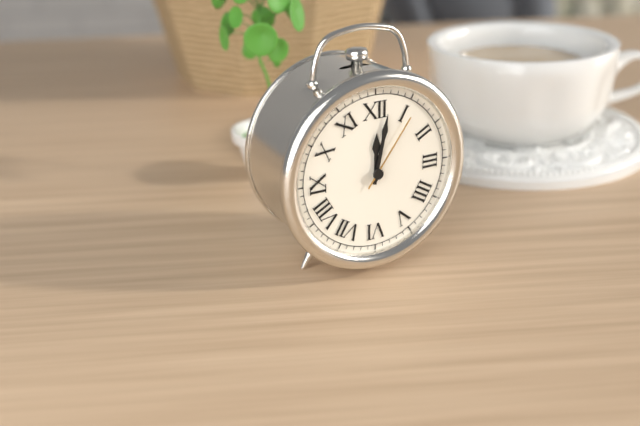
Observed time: 12:02:06
